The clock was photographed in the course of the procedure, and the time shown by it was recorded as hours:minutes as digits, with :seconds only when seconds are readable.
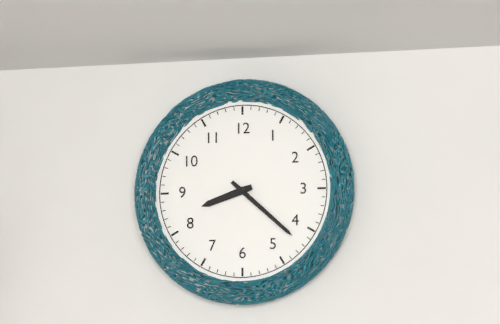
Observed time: 8:22
